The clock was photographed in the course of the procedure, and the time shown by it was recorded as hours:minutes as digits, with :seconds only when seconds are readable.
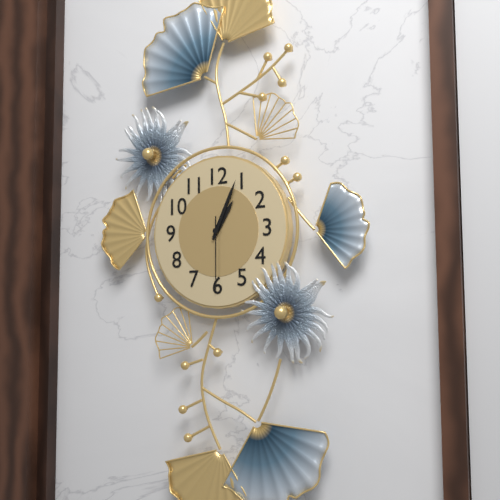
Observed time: 1:04:30
